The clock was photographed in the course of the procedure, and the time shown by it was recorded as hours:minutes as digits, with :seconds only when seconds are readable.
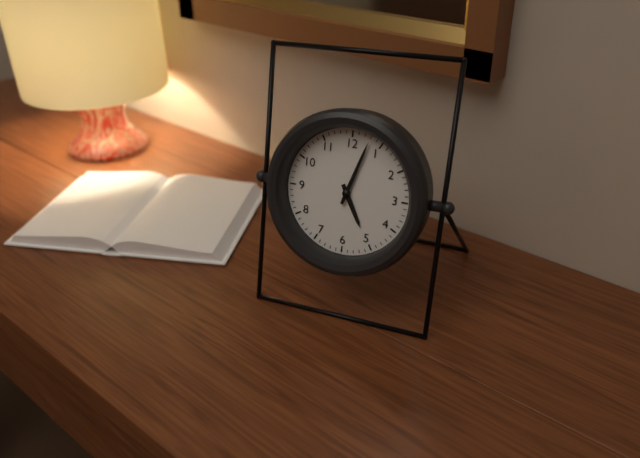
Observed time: 5:03
